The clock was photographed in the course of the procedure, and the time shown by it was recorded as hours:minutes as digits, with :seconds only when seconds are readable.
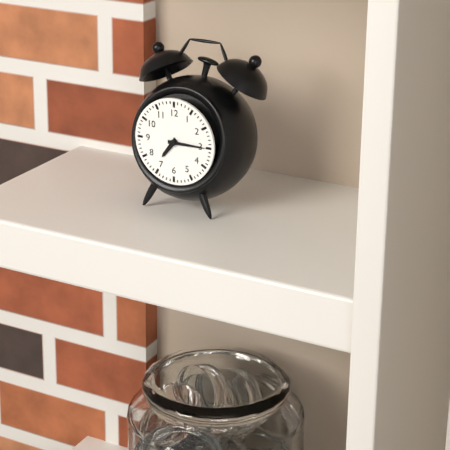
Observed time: 7:15
